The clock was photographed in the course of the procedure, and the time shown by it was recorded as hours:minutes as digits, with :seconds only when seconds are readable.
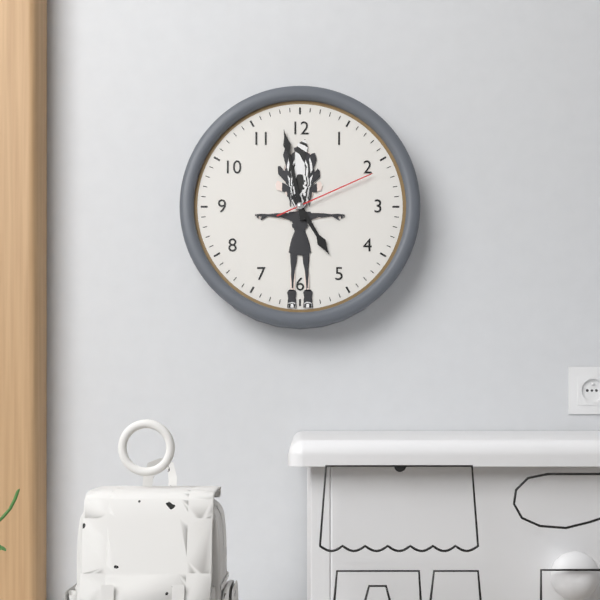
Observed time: 4:58:11
